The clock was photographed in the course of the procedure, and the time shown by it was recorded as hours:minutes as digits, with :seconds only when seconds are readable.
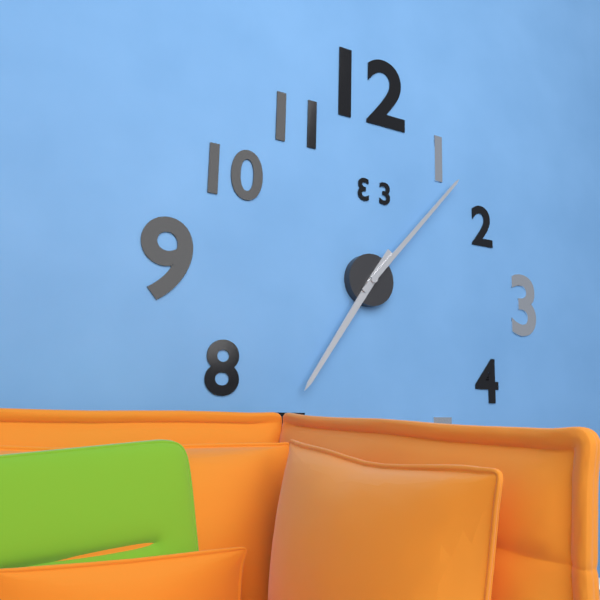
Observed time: 7:07
